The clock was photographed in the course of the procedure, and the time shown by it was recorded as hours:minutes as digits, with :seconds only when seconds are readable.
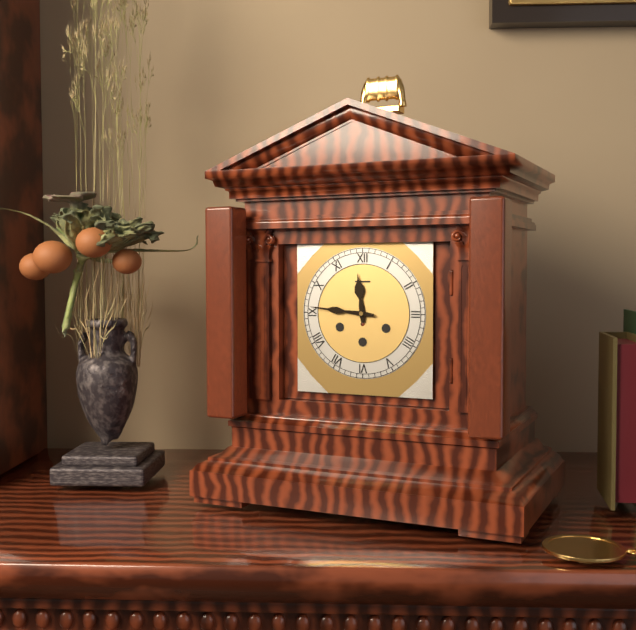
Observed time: 11:46
